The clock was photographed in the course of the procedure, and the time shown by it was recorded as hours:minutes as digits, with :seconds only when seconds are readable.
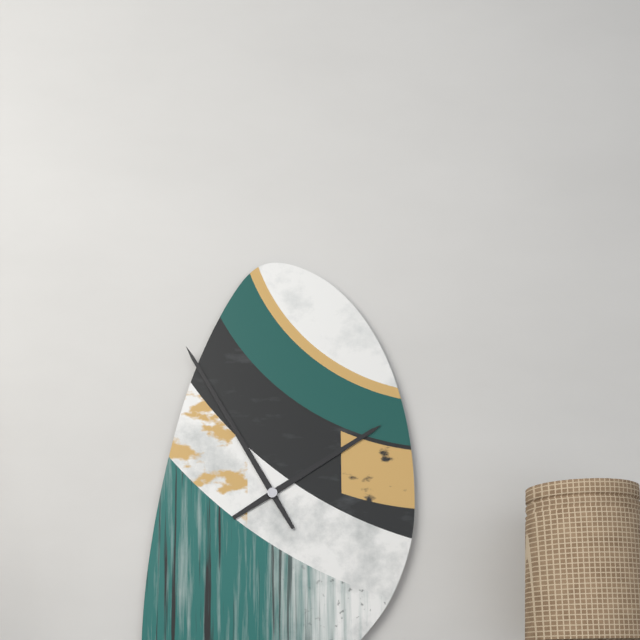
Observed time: 1:55
